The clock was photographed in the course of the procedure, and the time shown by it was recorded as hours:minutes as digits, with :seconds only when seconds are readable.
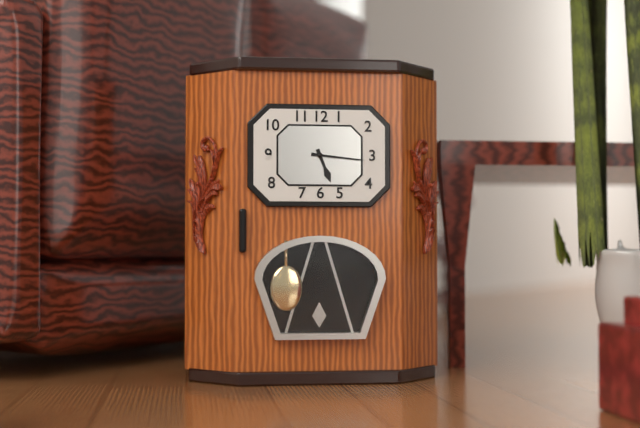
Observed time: 5:16
